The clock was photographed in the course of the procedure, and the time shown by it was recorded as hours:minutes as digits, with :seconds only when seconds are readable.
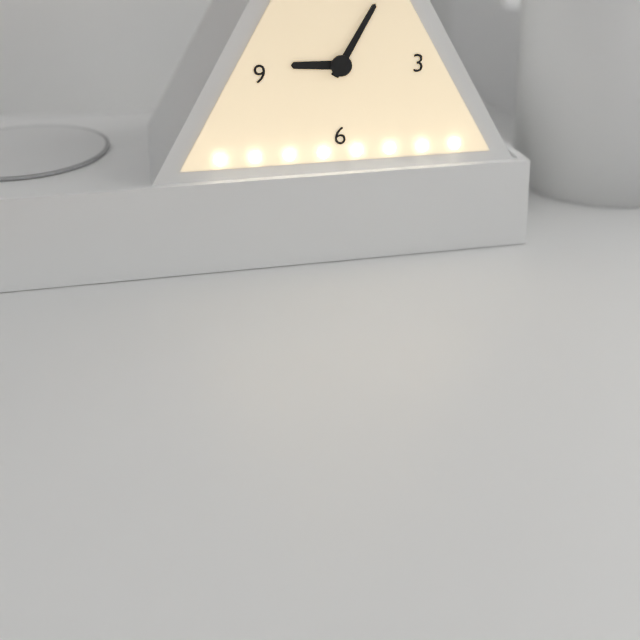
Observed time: 9:05
